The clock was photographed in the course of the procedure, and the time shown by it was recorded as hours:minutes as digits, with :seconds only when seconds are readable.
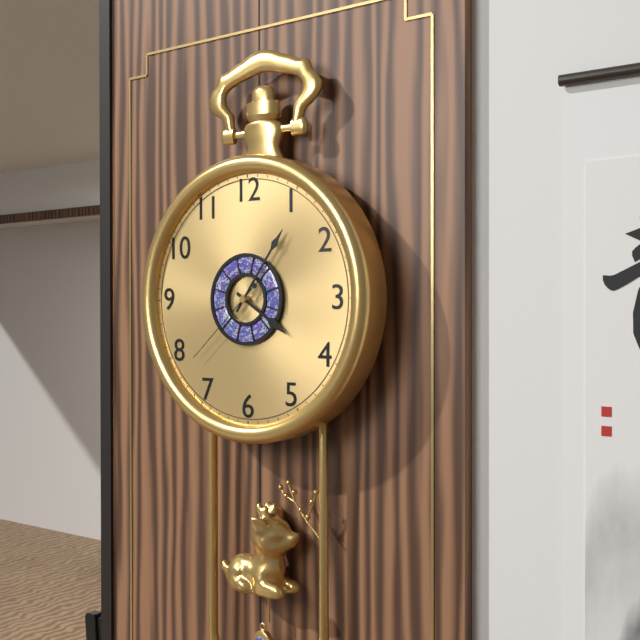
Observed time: 4:06:38
